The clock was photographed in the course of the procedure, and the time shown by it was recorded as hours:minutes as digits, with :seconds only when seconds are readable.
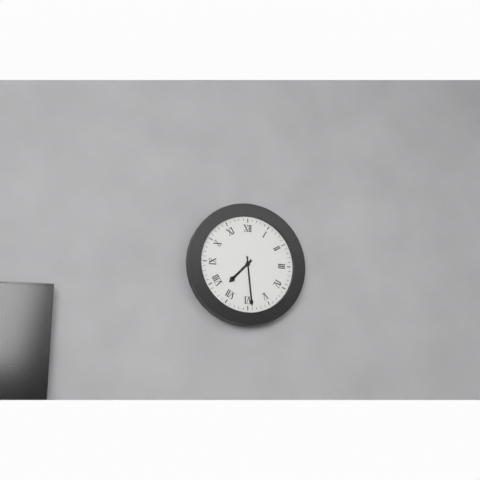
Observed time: 7:29
